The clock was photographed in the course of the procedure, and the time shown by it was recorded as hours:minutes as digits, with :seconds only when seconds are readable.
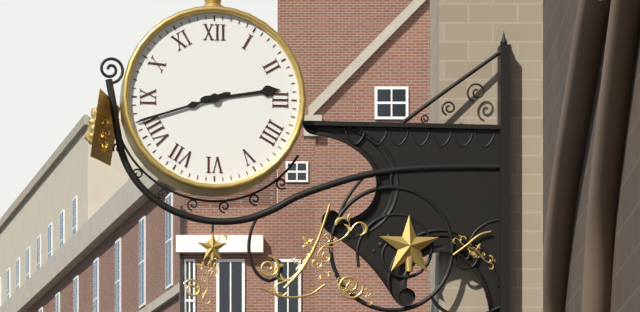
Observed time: 2:42
